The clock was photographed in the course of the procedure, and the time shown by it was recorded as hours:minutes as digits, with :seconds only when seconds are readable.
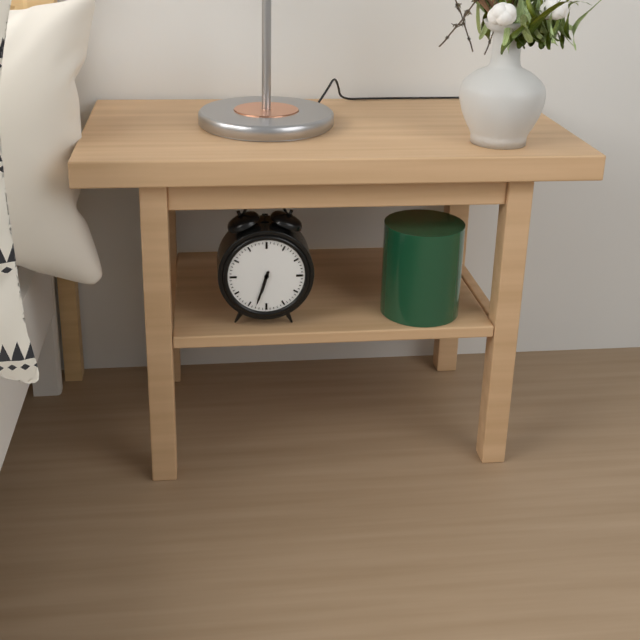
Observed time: 6:33
